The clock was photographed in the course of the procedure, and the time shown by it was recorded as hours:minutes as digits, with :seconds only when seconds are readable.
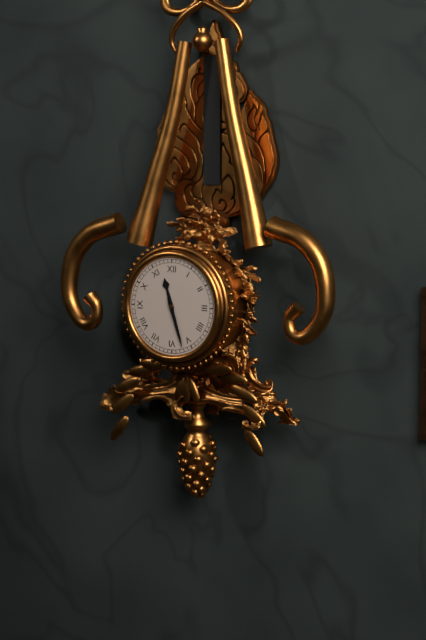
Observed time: 11:27
